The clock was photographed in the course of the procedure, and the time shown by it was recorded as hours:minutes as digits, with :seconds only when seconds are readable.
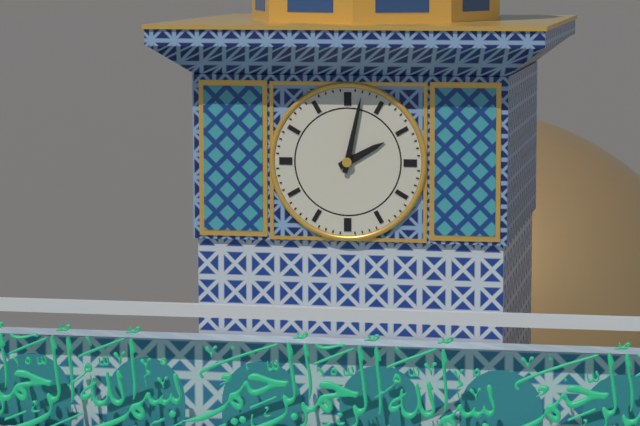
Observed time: 2:02
